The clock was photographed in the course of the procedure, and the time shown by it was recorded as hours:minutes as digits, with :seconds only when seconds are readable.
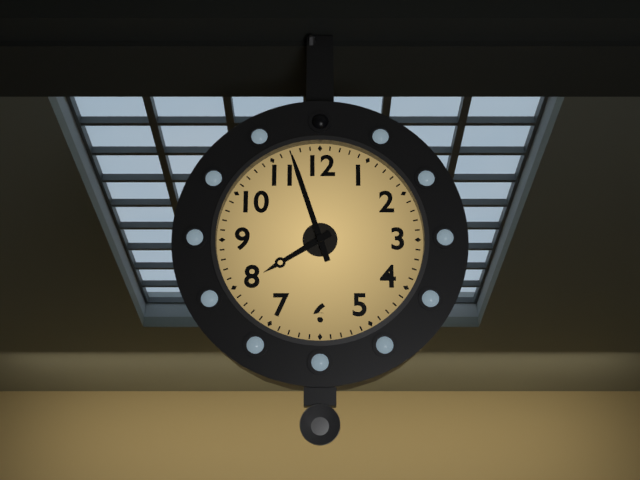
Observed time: 7:57
